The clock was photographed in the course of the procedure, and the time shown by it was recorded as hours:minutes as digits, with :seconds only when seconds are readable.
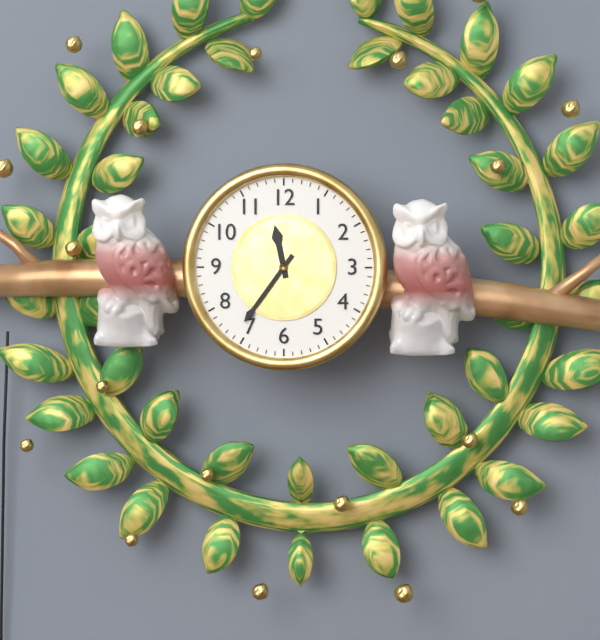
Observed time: 11:36
